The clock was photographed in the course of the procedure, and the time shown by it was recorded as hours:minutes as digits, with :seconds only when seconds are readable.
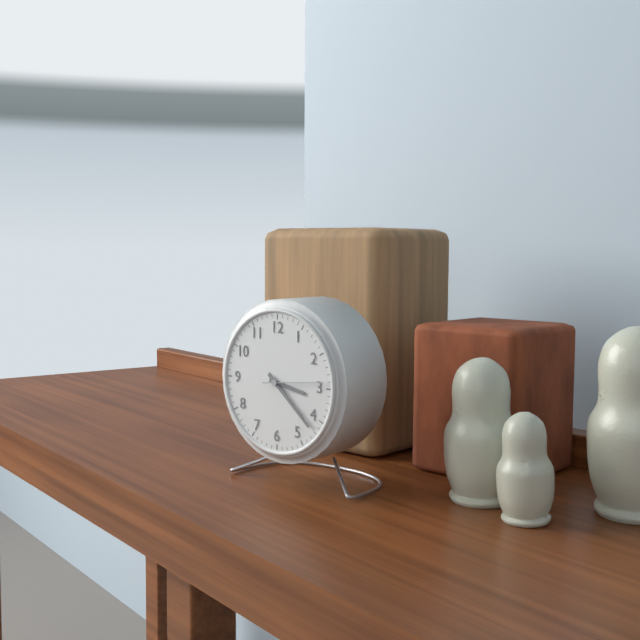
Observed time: 3:22:14
